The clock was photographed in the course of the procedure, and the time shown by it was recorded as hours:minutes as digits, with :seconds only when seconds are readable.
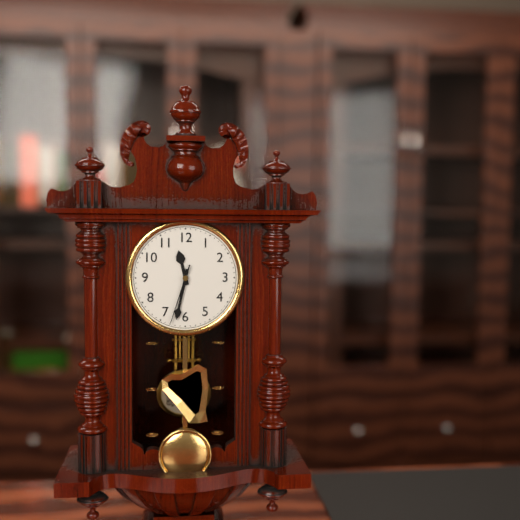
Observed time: 11:32:33
